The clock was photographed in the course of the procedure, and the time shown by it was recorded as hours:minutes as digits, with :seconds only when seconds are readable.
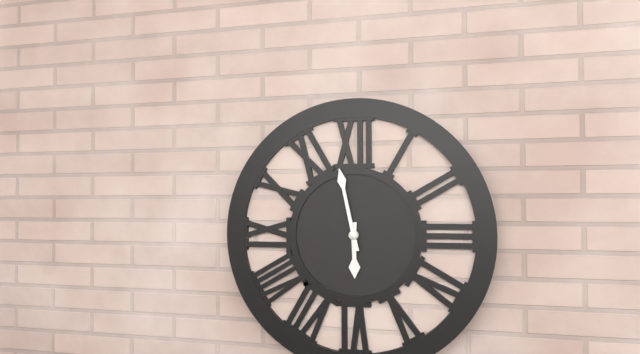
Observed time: 5:58
